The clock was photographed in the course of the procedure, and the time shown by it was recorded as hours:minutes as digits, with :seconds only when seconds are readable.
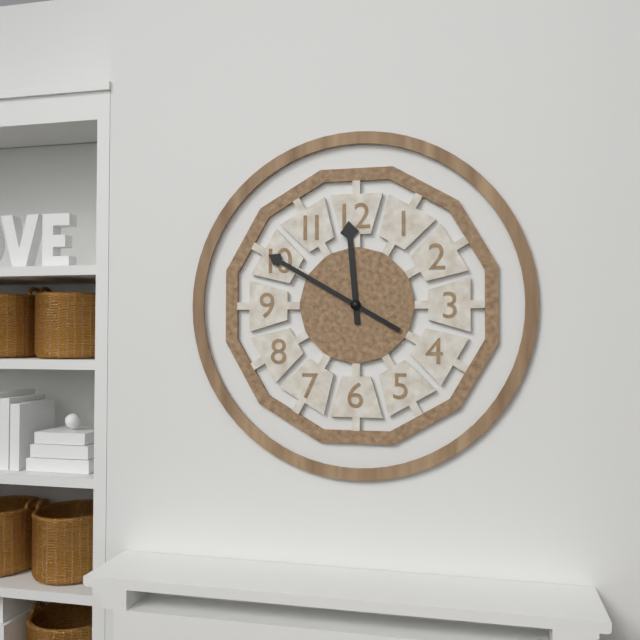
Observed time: 11:50
